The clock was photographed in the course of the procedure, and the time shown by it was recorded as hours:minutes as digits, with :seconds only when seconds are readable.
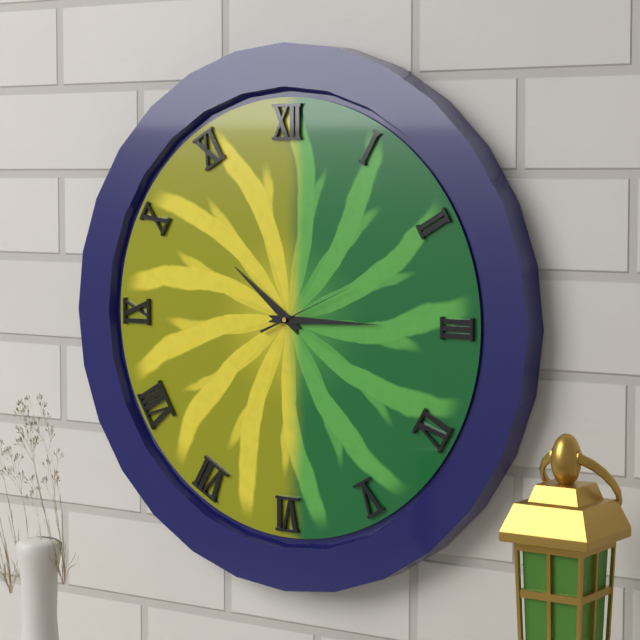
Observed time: 10:15:11
